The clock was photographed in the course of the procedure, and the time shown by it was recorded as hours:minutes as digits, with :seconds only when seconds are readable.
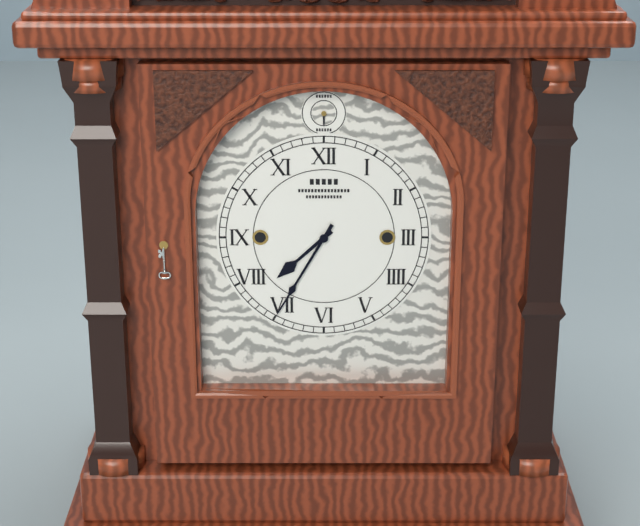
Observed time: 7:35
